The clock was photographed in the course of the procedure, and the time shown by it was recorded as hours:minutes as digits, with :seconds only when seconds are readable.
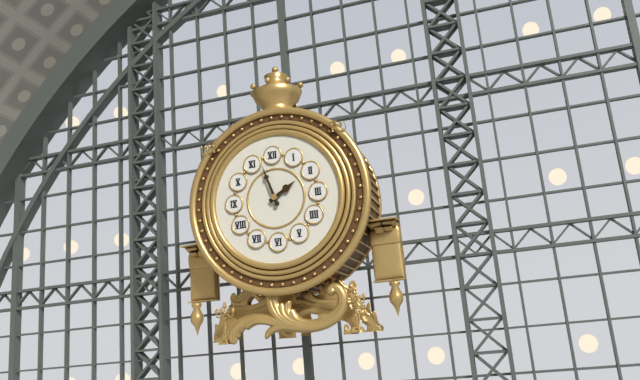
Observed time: 1:57
